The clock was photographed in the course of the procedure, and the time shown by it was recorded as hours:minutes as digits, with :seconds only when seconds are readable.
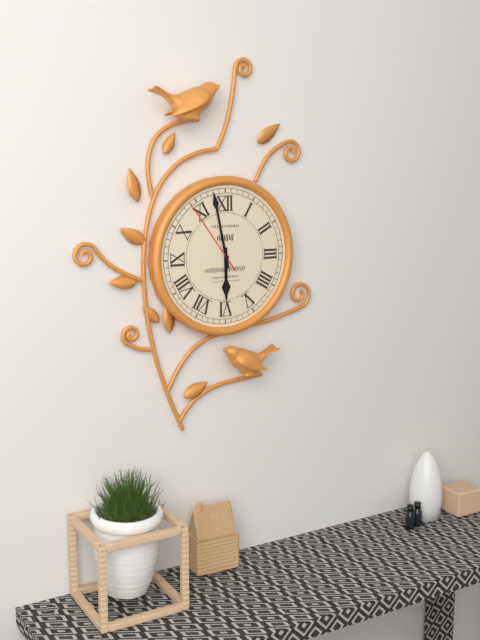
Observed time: 5:58:54
